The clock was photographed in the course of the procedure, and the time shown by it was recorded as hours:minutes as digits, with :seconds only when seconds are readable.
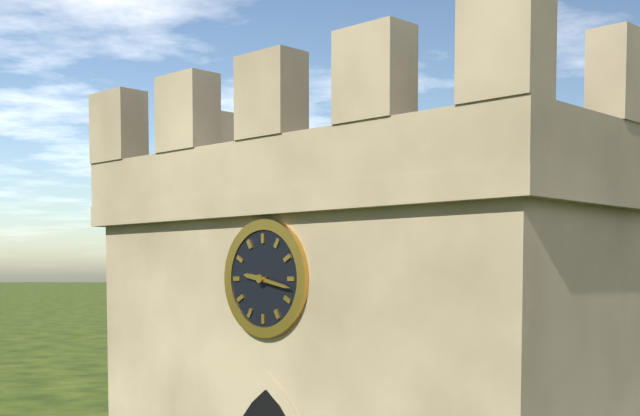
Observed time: 9:17
